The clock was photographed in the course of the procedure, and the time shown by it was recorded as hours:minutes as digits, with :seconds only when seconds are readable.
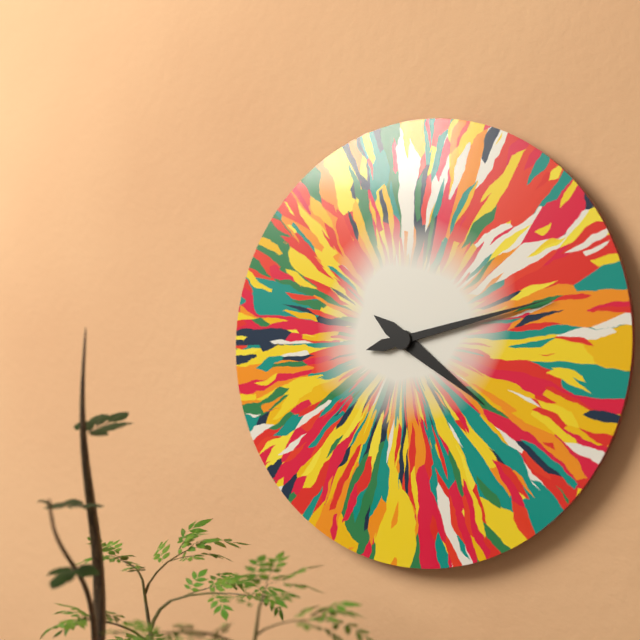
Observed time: 4:13
